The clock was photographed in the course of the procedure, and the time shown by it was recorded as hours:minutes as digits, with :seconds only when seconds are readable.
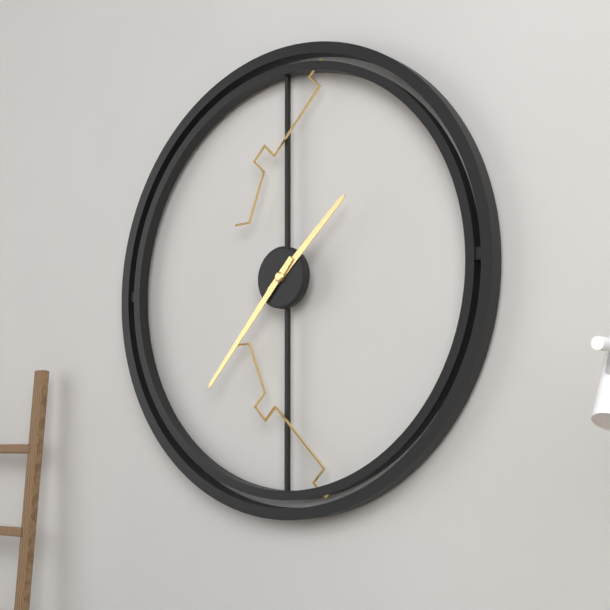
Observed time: 1:37
